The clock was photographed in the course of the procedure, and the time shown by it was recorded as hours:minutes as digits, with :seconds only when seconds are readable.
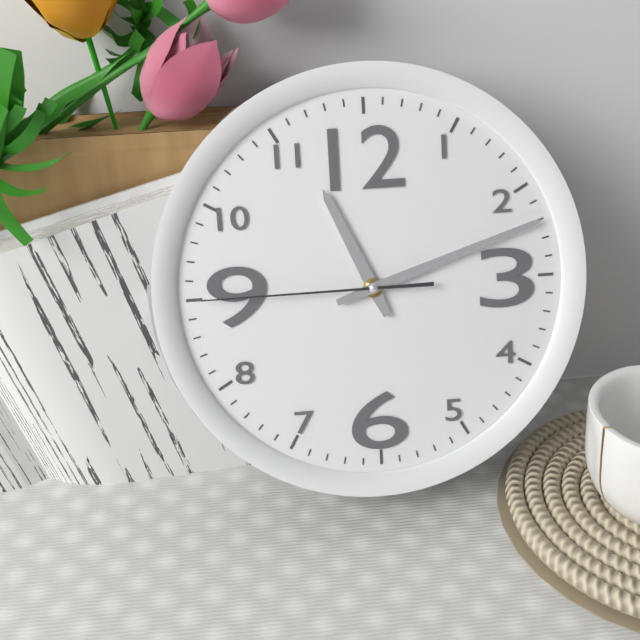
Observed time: 11:12:45
